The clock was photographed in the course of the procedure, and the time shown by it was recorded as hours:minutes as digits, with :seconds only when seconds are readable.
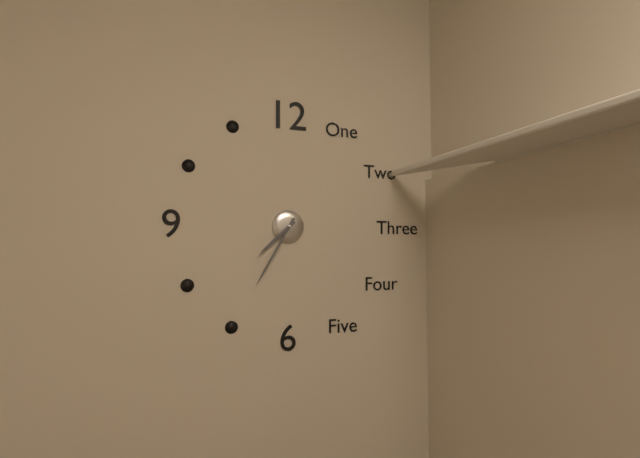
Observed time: 7:35
